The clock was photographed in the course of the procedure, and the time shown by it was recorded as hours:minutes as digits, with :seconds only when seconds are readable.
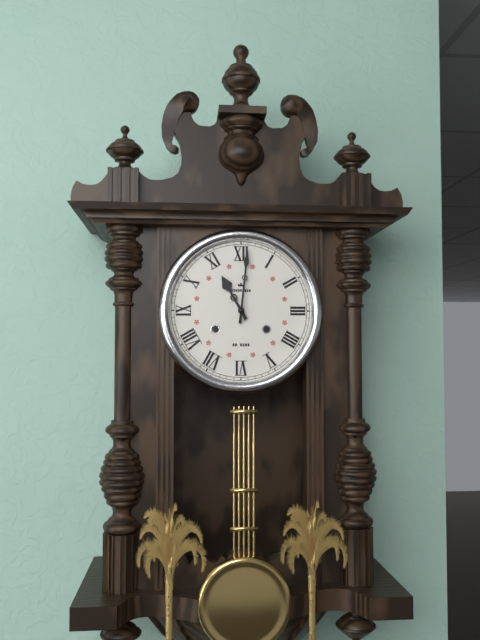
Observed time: 11:01
